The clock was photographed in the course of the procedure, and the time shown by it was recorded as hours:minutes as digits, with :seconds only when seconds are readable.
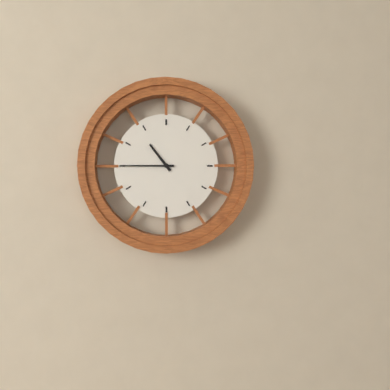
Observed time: 10:45
